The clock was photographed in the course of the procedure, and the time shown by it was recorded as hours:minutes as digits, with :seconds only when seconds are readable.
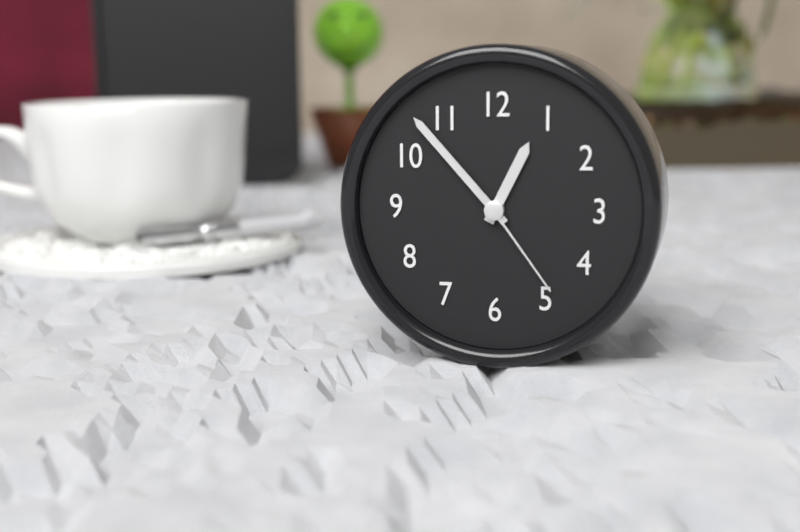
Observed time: 12:53:24
